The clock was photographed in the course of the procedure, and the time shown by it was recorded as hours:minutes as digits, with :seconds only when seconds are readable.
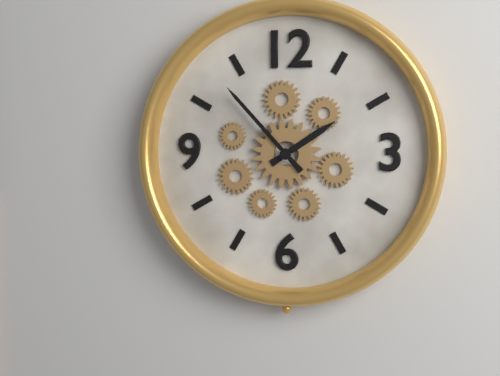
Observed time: 1:53
